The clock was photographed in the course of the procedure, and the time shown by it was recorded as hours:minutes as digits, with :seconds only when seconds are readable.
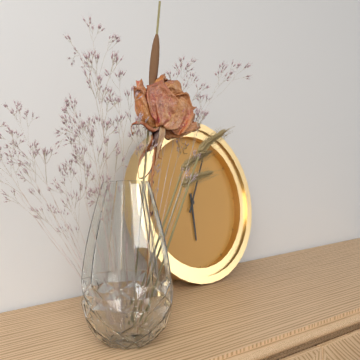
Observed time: 6:05
